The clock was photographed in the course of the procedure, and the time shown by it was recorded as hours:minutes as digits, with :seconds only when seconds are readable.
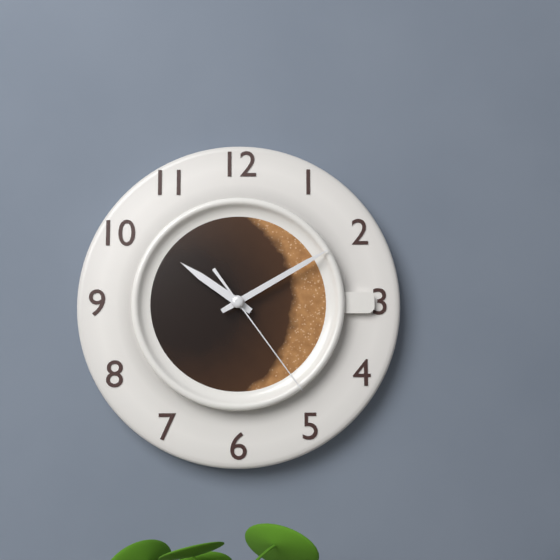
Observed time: 10:10:24
